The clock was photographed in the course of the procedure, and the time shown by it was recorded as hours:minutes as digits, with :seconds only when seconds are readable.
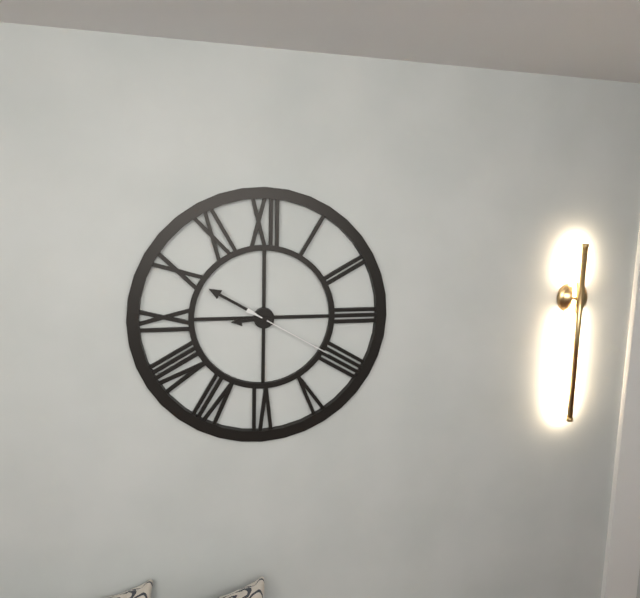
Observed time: 8:50:20
